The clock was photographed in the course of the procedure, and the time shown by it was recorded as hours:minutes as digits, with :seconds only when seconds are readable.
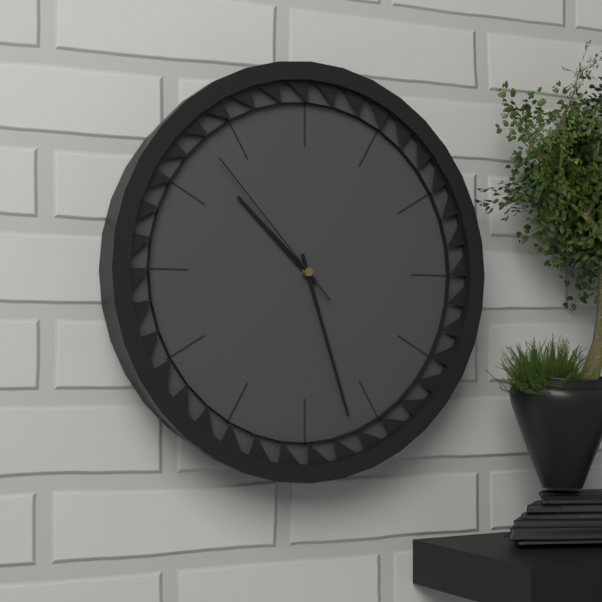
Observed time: 10:27:53
